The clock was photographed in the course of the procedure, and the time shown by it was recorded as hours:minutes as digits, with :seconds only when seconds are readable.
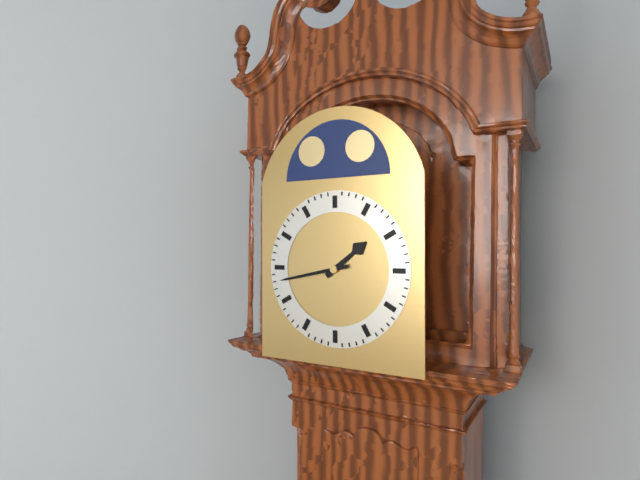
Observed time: 1:43
